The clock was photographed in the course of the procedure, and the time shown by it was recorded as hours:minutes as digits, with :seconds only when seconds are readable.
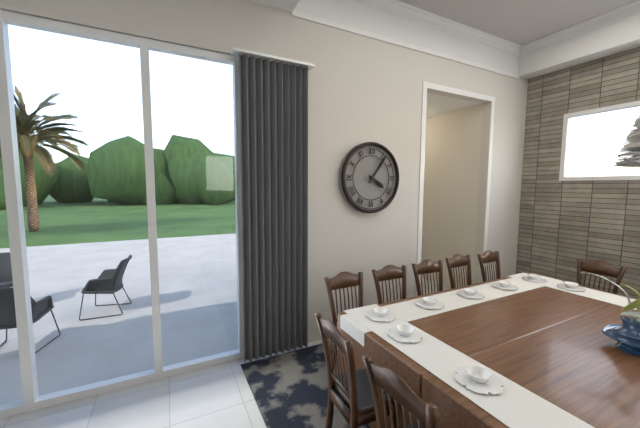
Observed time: 4:06
